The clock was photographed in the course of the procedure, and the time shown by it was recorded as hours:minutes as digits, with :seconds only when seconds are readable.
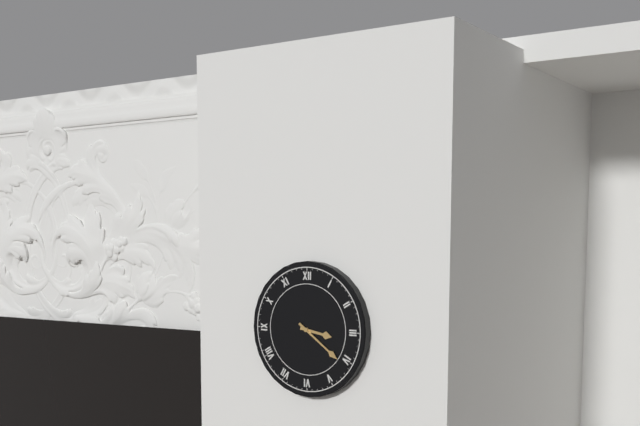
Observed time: 3:21
